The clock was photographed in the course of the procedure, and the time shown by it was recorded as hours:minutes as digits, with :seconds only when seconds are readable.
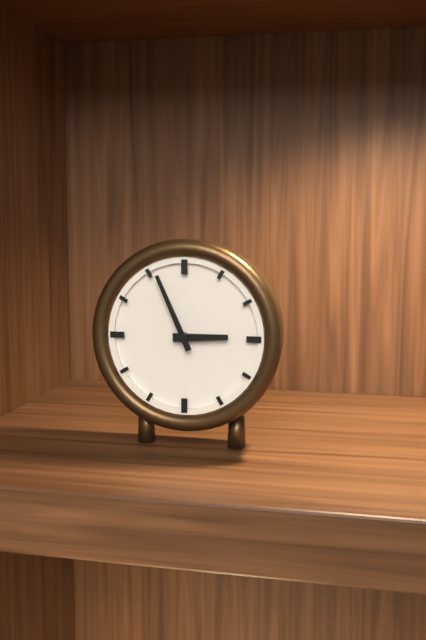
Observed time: 2:56
